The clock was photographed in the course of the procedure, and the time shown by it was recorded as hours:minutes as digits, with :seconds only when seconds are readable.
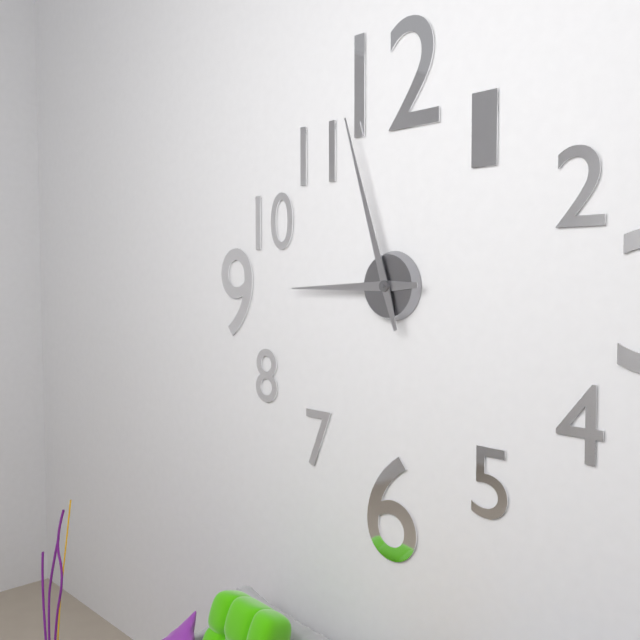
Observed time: 8:57
